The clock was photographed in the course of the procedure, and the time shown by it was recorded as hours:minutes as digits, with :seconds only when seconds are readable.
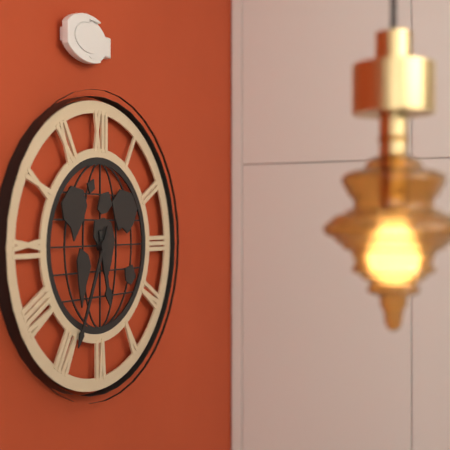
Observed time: 5:34
